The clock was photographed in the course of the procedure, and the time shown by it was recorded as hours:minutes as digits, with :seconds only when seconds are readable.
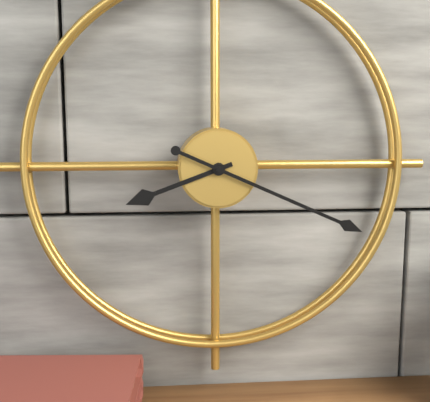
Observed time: 8:19
